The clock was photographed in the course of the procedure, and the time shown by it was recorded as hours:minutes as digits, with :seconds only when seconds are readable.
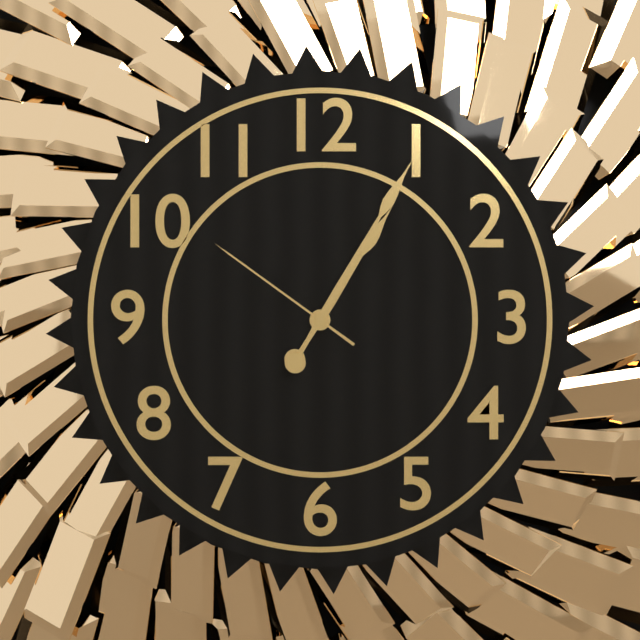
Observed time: 1:05:51
